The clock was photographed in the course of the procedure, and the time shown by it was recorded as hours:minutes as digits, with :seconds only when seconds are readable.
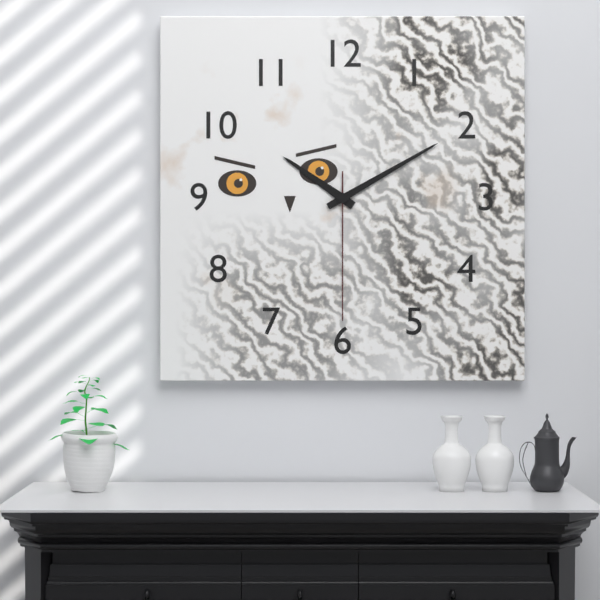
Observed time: 10:10:30
